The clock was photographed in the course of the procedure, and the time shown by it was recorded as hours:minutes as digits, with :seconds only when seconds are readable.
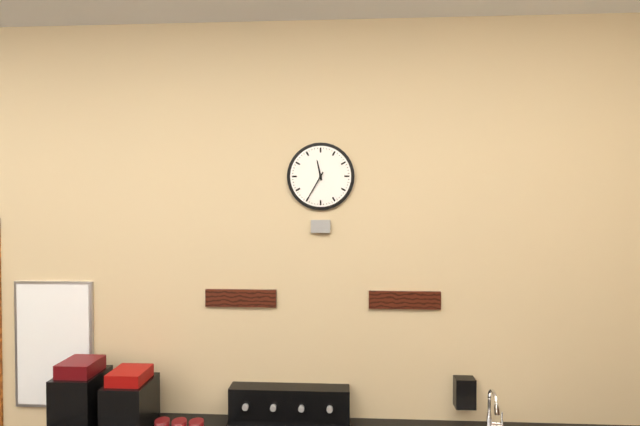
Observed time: 11:35
